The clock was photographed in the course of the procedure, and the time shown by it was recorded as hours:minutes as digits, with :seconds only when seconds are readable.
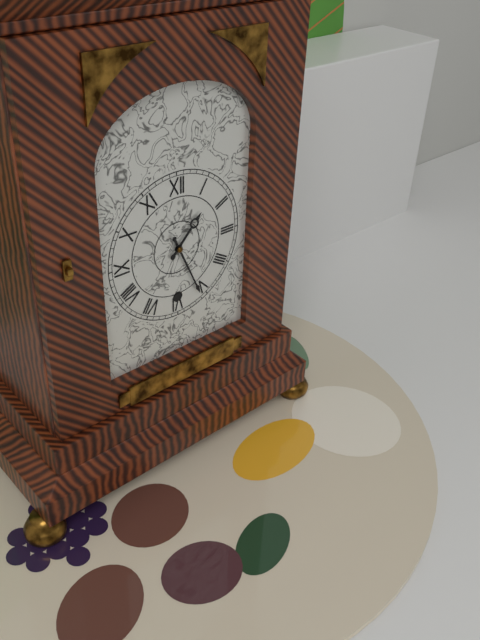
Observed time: 1:26
